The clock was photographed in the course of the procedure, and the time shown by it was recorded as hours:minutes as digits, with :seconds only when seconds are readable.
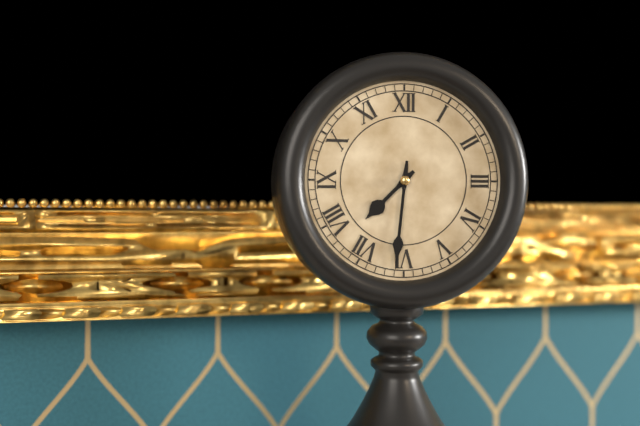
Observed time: 7:31
